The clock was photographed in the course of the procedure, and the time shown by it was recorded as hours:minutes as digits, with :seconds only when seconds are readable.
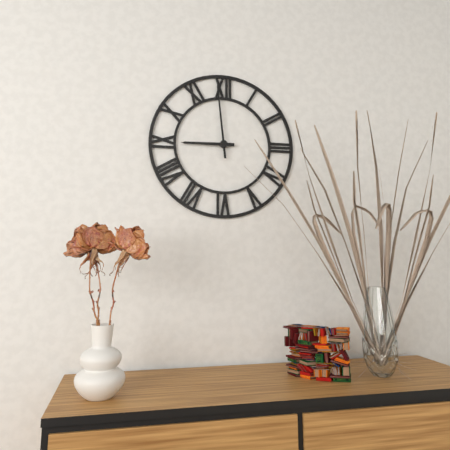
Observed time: 8:59
